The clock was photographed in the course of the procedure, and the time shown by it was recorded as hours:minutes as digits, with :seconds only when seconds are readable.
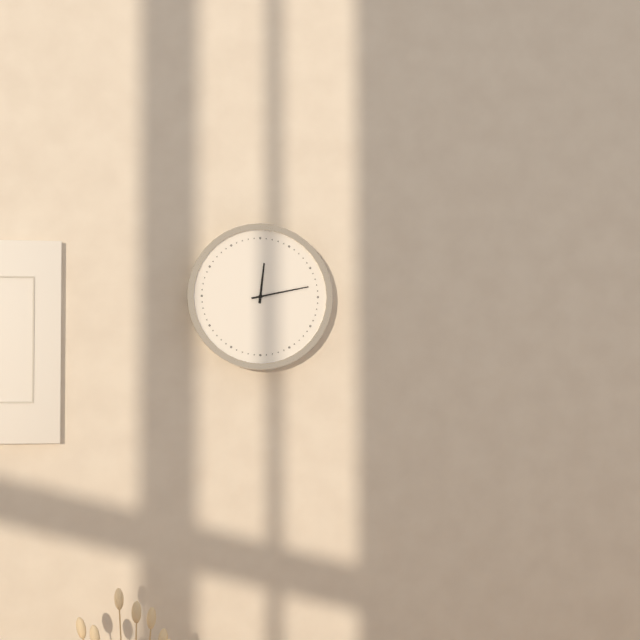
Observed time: 12:13
